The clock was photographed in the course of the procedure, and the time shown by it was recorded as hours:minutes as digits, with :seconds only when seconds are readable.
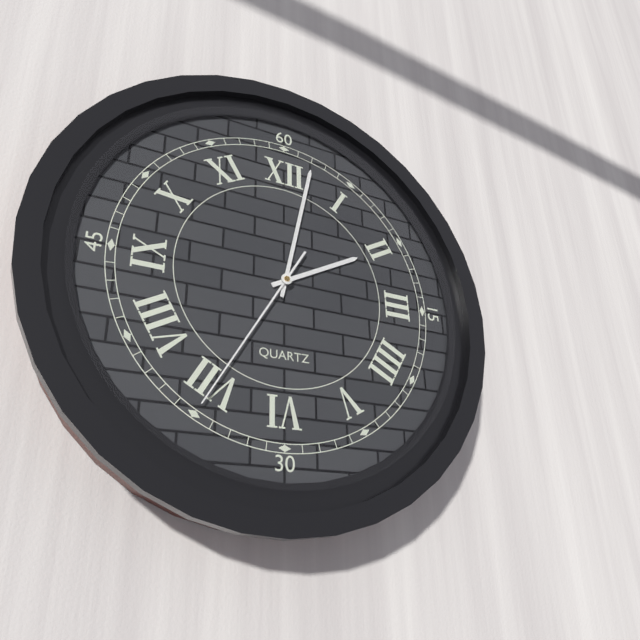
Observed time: 2:02:35
